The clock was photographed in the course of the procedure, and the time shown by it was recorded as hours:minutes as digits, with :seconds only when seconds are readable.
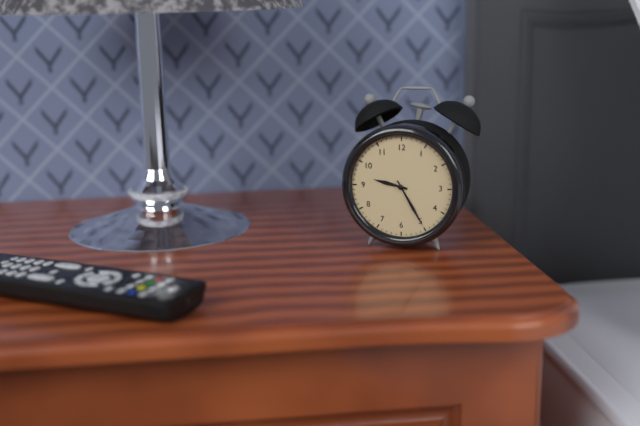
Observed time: 9:25
